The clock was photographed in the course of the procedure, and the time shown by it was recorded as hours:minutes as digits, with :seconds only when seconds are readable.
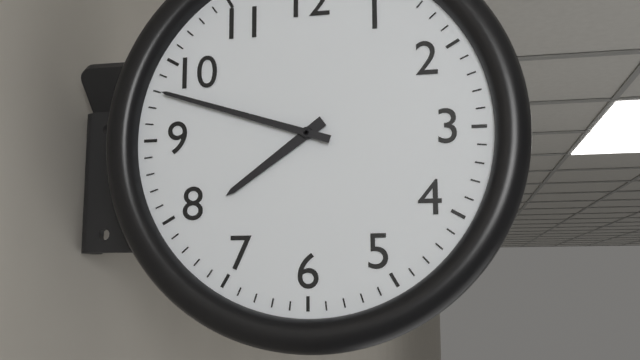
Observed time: 7:48
